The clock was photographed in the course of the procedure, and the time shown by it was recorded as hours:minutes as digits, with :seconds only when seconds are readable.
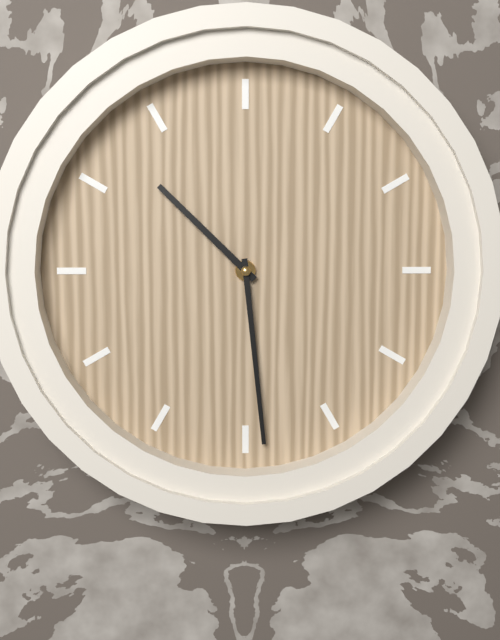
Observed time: 10:29
